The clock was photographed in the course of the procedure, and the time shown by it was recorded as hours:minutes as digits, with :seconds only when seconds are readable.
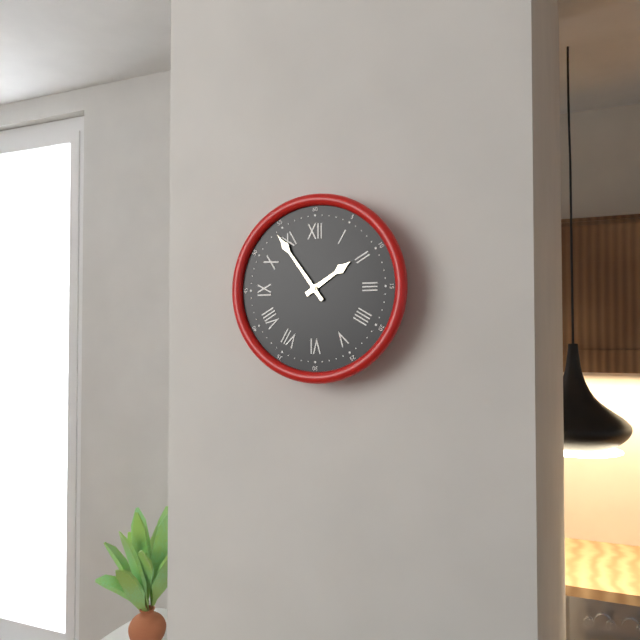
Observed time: 1:54
